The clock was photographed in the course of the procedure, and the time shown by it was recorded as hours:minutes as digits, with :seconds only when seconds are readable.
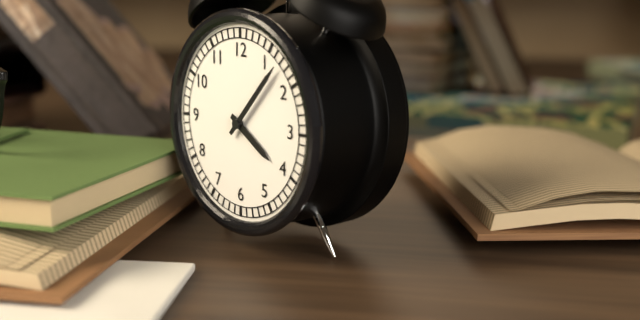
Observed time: 4:07
